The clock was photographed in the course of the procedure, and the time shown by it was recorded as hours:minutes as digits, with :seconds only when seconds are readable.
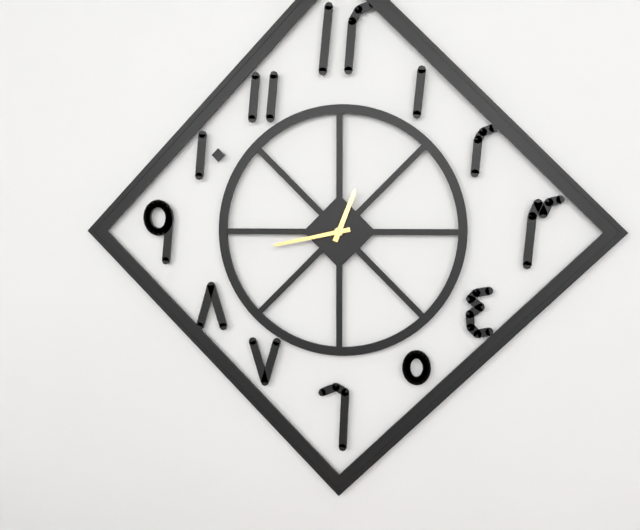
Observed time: 12:43
